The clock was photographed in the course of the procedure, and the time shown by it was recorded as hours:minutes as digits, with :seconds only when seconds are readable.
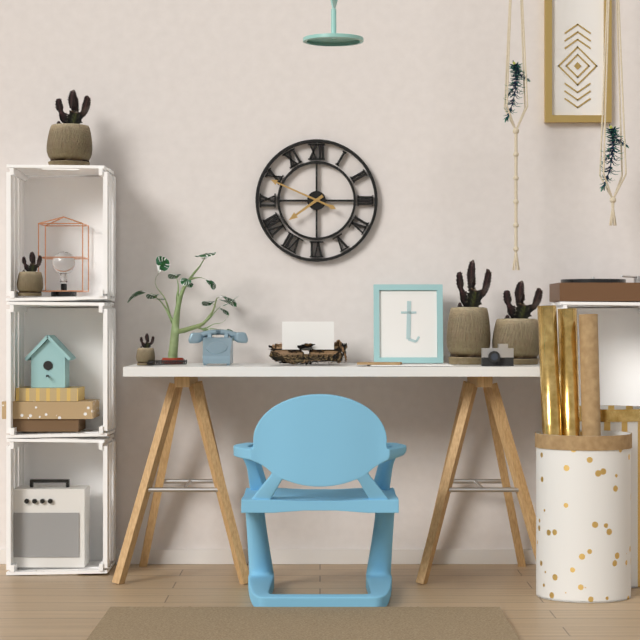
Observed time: 7:49
